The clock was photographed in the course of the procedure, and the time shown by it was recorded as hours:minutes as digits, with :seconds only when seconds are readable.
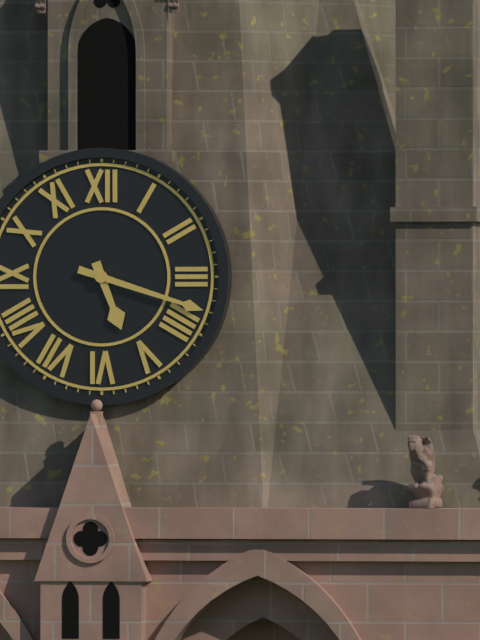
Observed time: 5:18
